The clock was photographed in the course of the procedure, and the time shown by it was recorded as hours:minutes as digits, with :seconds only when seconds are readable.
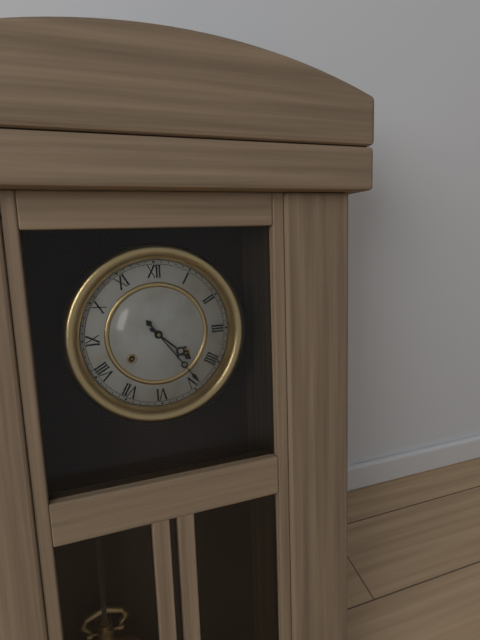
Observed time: 4:24
